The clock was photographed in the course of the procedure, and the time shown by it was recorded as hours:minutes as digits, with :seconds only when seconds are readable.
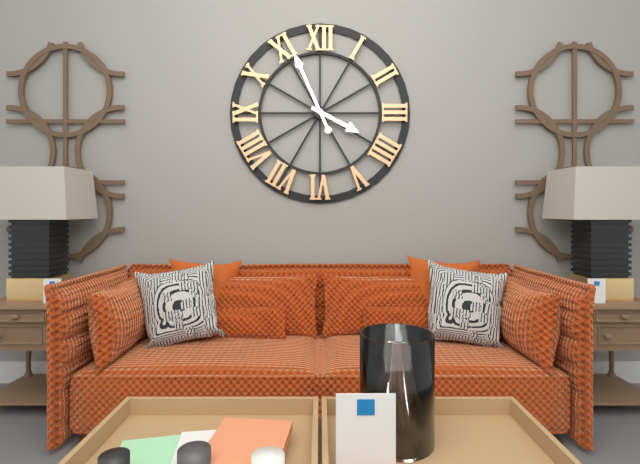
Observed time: 3:56
